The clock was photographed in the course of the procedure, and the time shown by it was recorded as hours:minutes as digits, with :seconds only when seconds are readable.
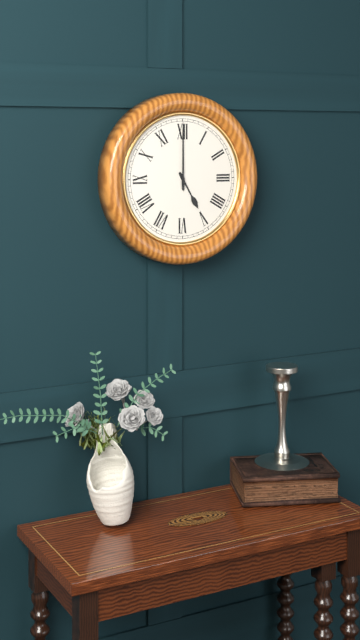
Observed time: 5:00
